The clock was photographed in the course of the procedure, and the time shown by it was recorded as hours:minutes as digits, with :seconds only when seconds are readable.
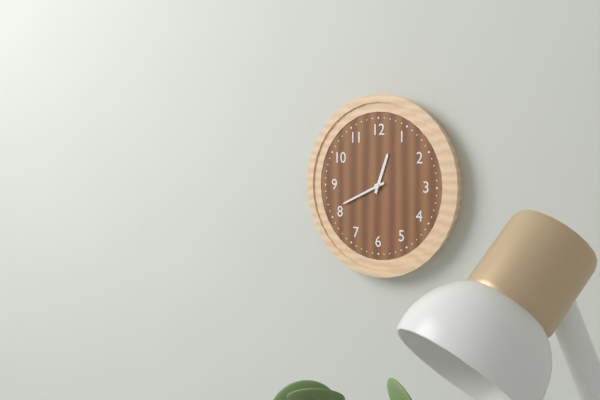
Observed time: 12:41
